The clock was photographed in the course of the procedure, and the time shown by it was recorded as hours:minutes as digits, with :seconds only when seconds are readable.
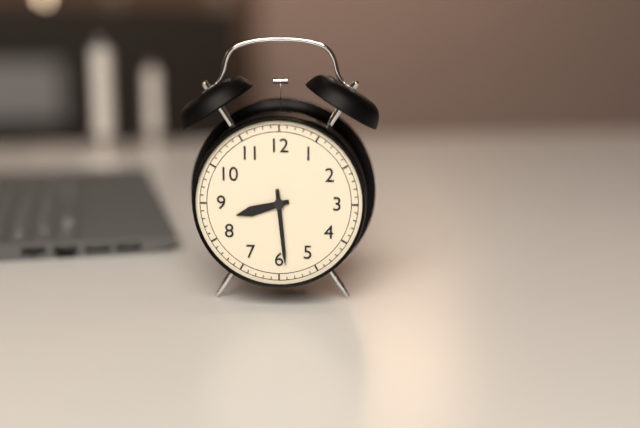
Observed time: 8:29
